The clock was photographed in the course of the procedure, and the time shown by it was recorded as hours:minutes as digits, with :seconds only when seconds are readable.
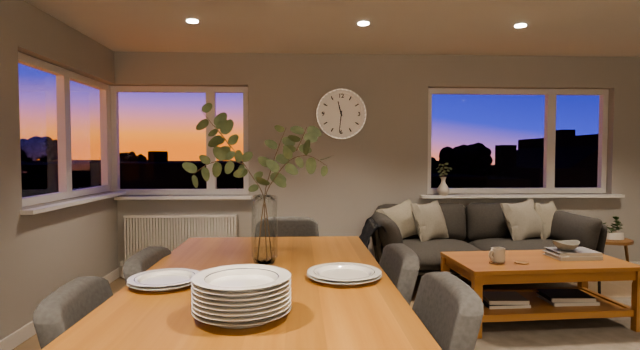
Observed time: 11:31
